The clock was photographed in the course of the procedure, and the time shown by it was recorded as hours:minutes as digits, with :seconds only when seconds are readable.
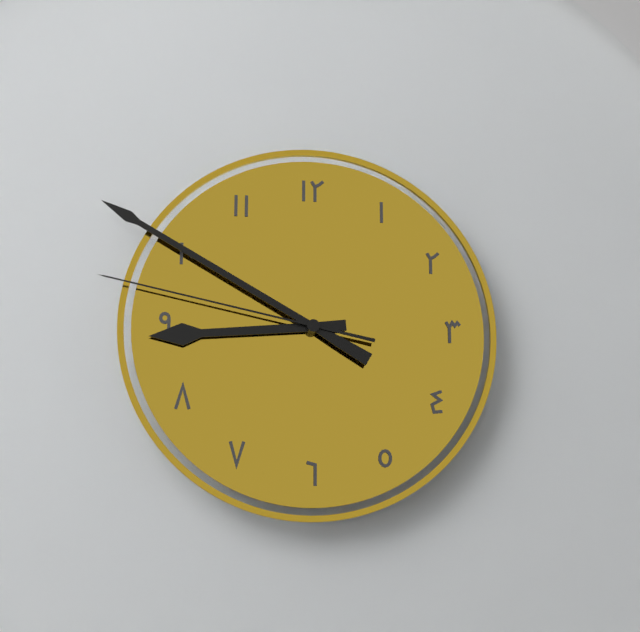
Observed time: 8:50:47
